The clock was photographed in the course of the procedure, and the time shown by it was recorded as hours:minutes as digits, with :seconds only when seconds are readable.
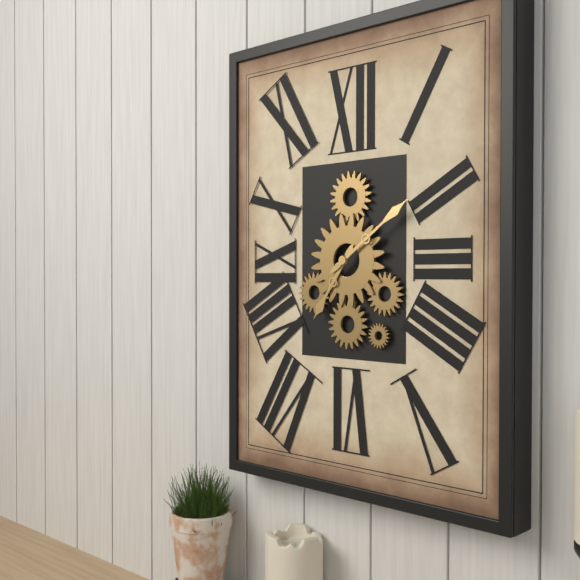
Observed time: 7:09
